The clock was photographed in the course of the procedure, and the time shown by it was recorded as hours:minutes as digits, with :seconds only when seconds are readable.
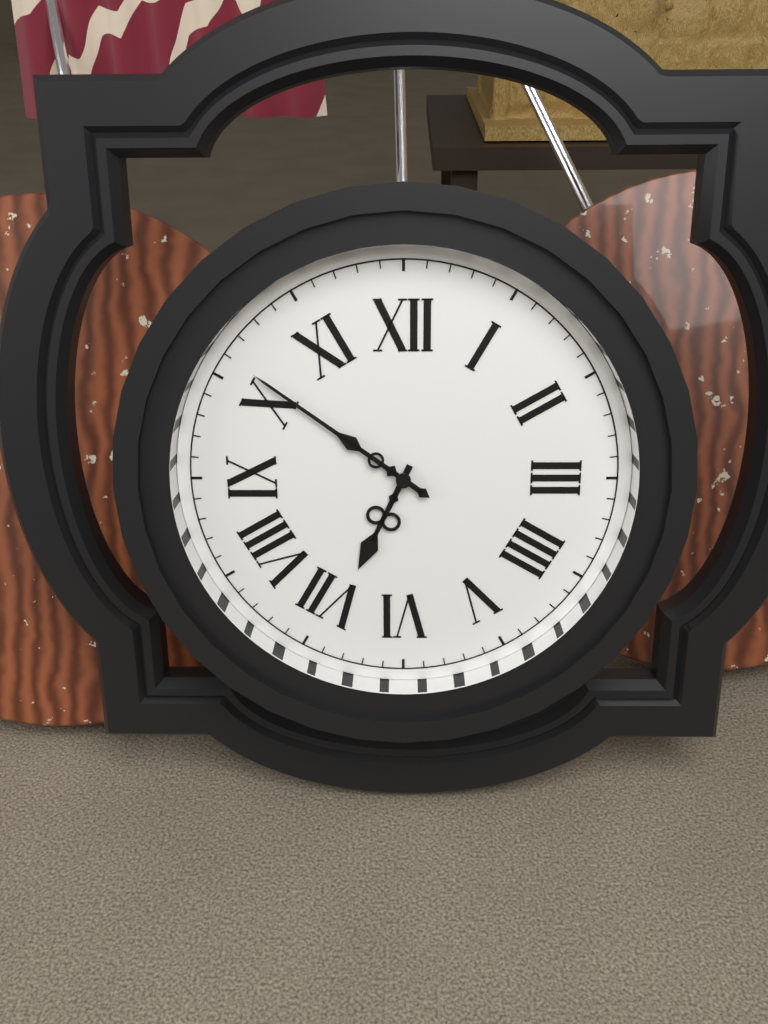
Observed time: 6:51
